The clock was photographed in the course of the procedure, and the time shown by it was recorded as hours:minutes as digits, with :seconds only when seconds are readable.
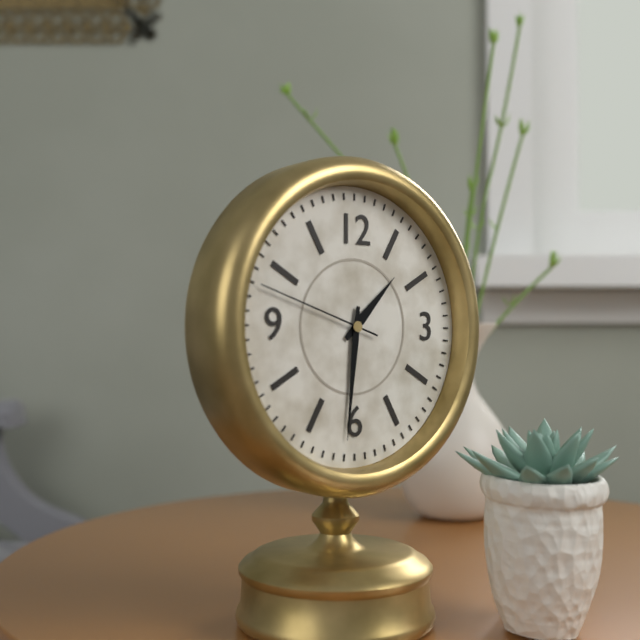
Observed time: 1:31:48
